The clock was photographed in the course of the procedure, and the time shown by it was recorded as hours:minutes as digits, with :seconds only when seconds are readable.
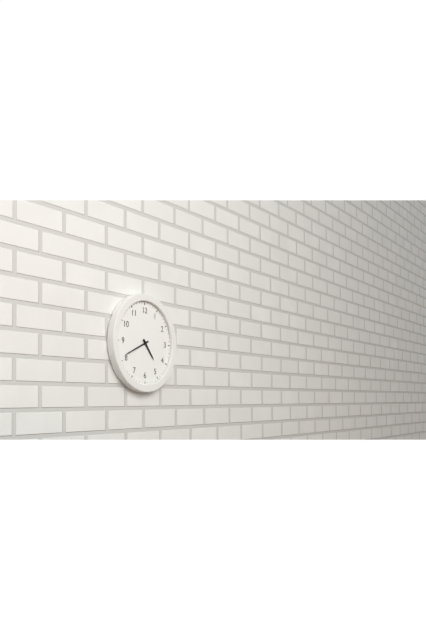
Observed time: 4:41
